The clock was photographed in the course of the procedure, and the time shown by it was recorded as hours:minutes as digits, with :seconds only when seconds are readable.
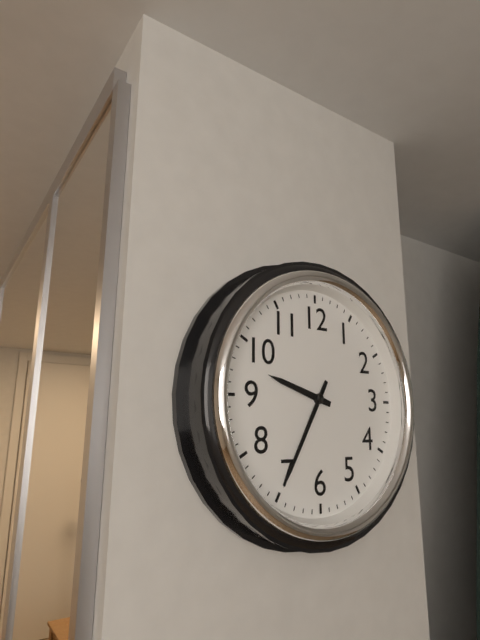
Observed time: 9:35
